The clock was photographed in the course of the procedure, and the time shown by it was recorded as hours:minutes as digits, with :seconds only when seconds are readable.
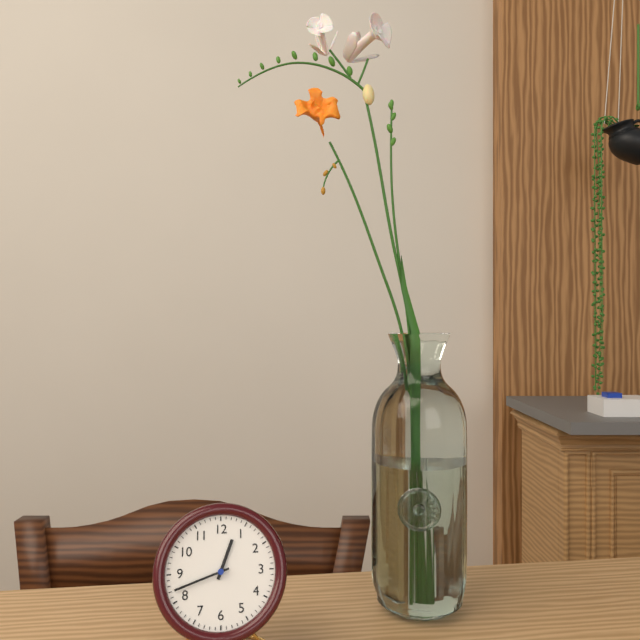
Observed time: 12:42
